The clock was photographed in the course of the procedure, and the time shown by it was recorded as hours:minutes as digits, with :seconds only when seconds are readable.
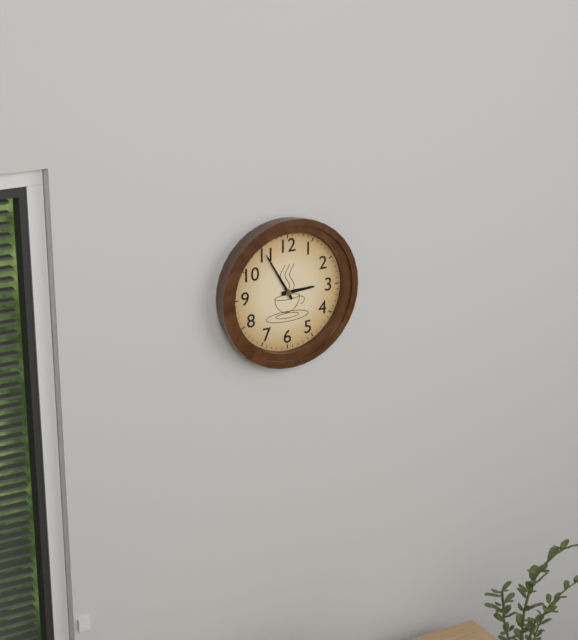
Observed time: 2:55
